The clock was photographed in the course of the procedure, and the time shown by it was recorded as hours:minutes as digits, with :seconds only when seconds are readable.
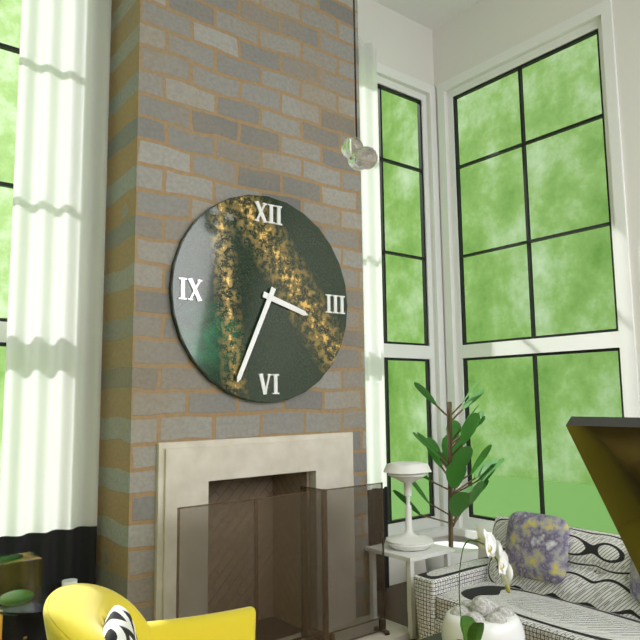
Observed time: 3:34
